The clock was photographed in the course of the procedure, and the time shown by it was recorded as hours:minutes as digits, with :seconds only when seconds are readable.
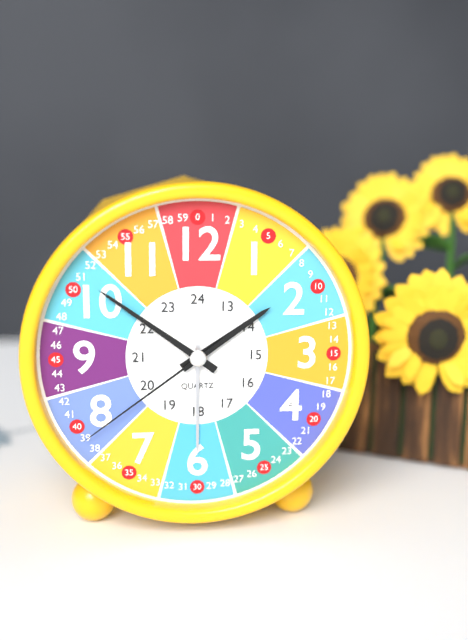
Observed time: 1:51:39
